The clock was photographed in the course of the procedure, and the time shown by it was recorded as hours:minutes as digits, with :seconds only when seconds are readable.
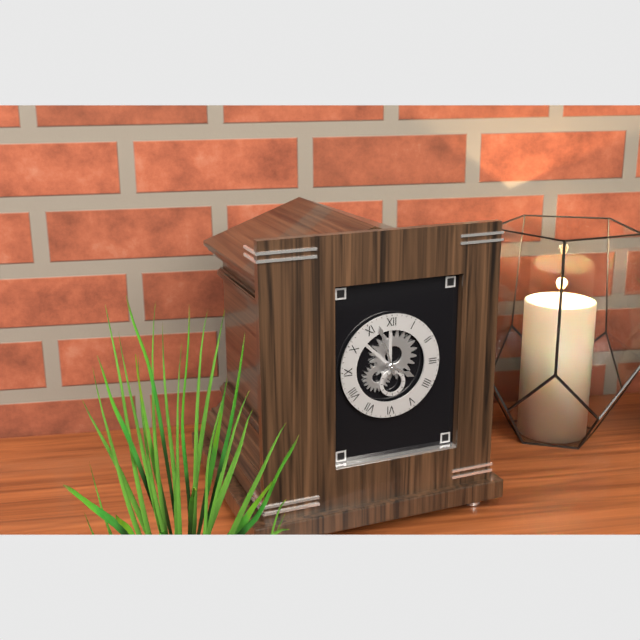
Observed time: 3:57
